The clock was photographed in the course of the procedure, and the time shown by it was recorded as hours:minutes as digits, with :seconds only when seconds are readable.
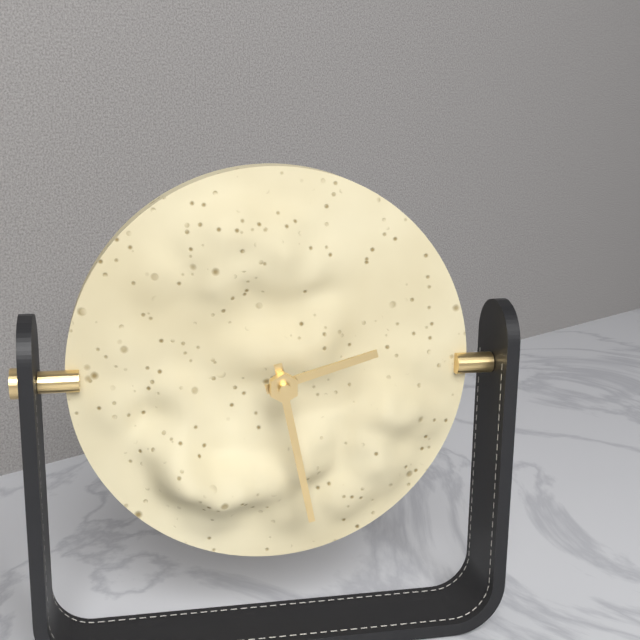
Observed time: 2:28
